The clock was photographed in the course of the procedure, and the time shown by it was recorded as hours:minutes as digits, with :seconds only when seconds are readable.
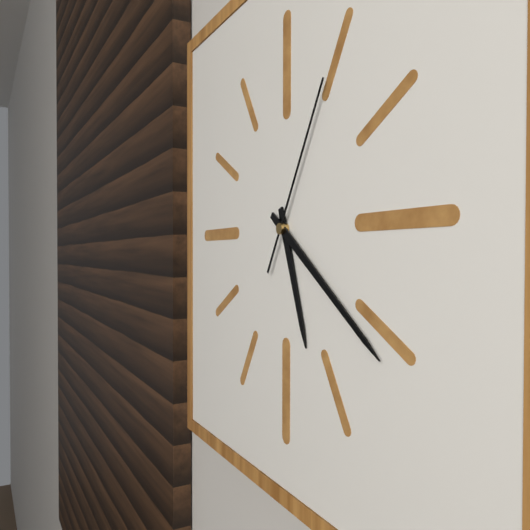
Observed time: 5:21:05
